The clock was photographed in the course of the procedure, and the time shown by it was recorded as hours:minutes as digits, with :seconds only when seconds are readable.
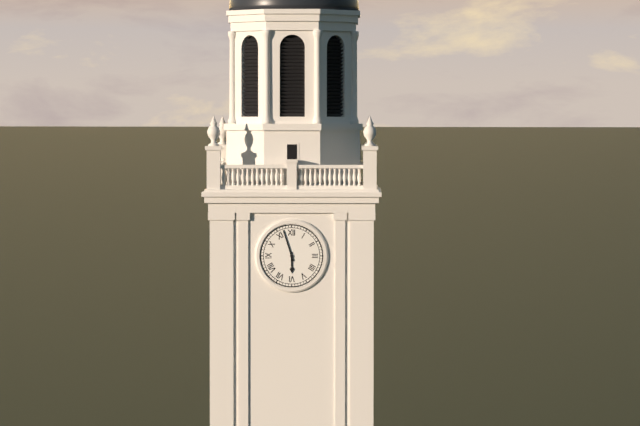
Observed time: 5:57
